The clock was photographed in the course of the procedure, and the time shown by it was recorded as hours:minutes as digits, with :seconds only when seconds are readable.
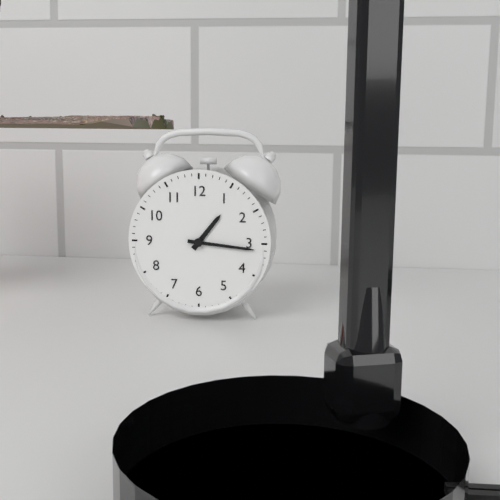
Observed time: 1:16
